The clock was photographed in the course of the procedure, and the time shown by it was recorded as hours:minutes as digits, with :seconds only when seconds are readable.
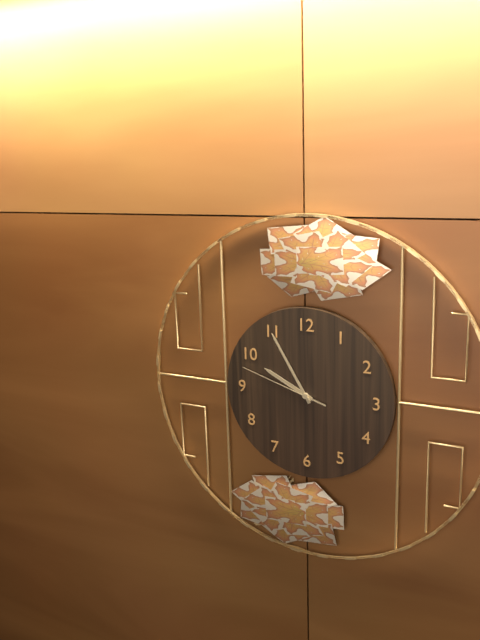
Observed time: 9:55:48
